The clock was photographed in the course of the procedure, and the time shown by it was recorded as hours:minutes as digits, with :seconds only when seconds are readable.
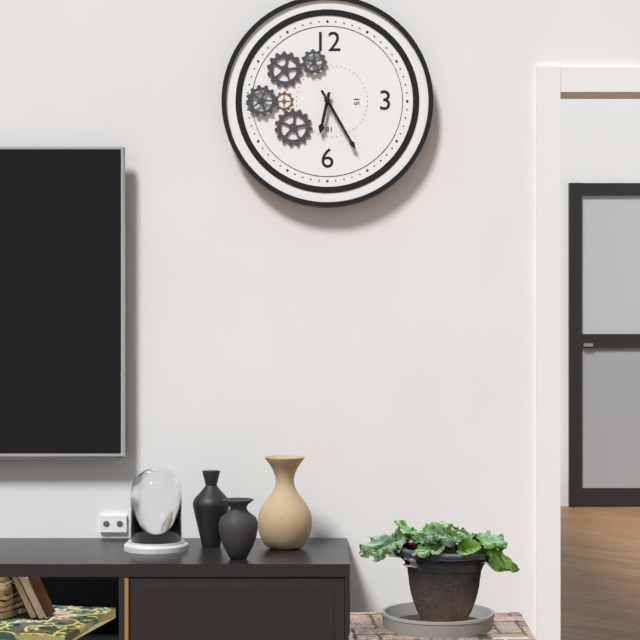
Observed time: 6:25
